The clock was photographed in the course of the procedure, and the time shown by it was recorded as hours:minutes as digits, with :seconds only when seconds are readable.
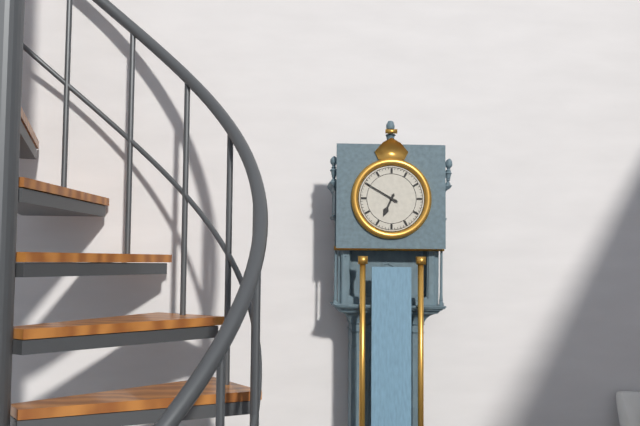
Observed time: 6:50
